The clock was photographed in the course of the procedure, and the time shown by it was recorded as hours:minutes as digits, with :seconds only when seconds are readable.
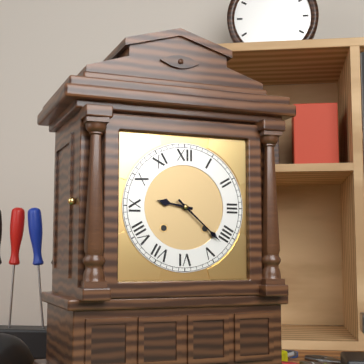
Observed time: 9:22
